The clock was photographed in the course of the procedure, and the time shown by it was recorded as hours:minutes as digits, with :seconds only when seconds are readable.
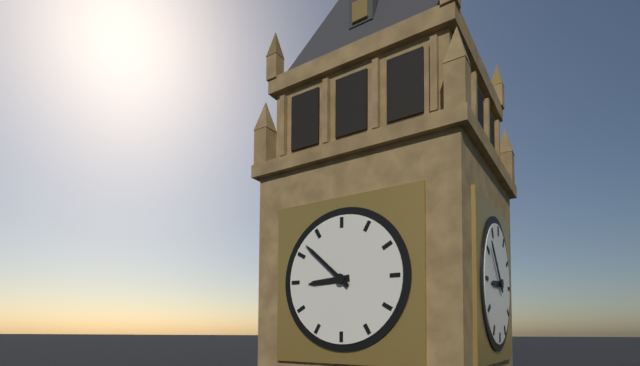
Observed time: 8:52
